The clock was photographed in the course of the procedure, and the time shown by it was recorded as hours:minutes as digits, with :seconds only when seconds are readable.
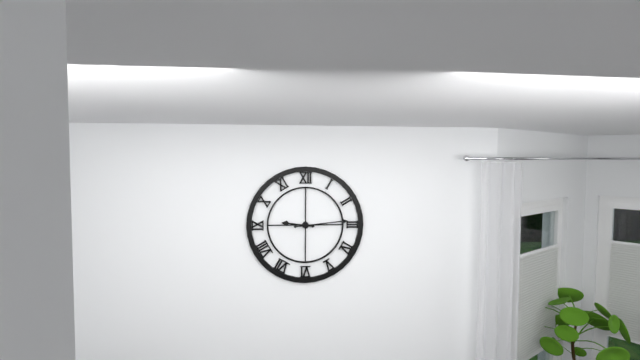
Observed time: 9:14
